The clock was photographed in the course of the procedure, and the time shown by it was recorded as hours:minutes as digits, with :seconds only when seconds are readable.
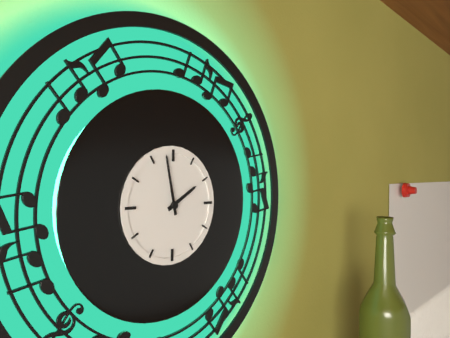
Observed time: 1:58
